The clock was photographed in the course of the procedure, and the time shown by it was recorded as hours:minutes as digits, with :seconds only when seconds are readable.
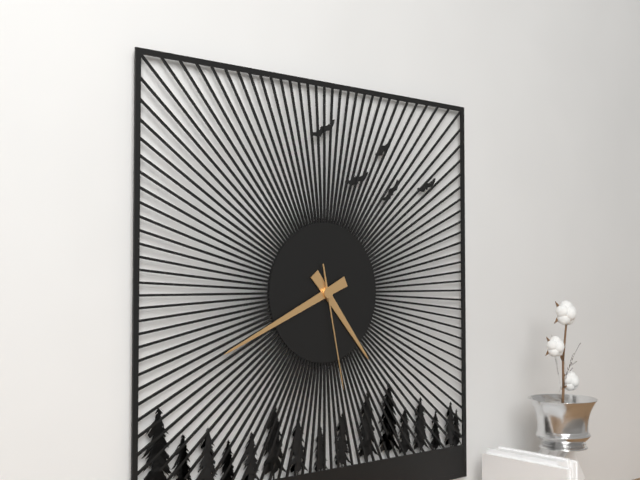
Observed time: 4:41:28
